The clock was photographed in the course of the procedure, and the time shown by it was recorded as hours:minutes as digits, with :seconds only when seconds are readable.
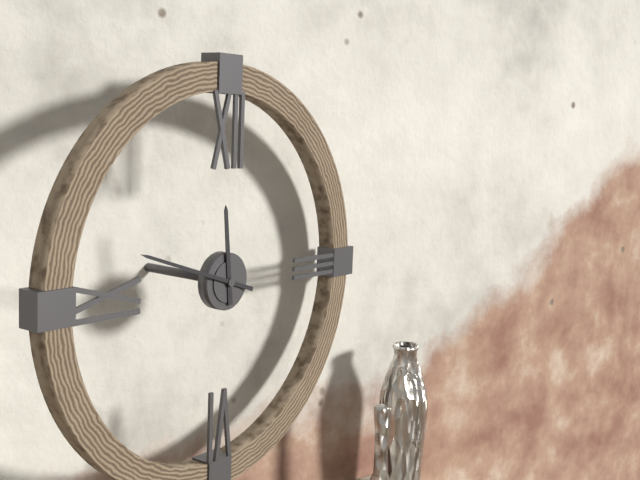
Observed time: 11:48
